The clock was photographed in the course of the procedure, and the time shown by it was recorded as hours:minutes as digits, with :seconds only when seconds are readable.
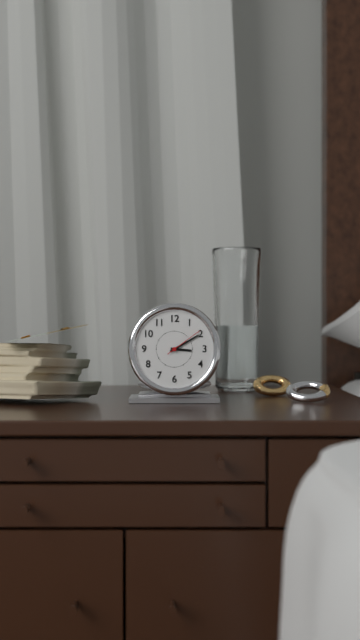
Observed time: 3:10
